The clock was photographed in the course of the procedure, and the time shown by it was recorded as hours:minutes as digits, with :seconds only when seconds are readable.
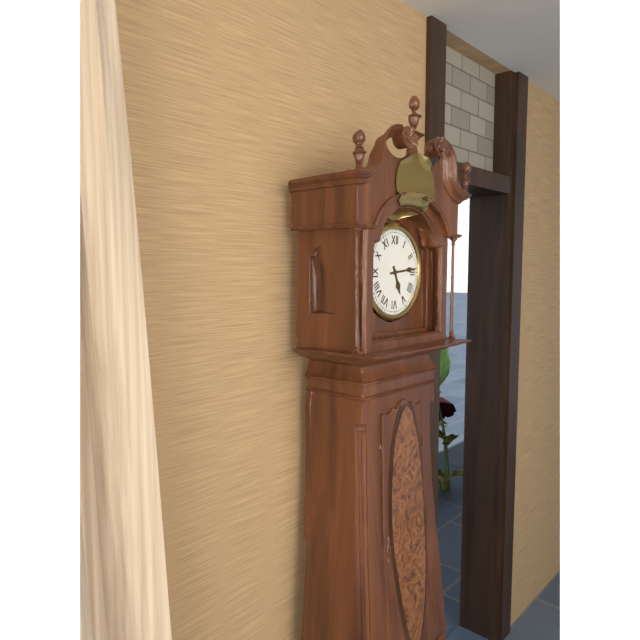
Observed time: 5:14
